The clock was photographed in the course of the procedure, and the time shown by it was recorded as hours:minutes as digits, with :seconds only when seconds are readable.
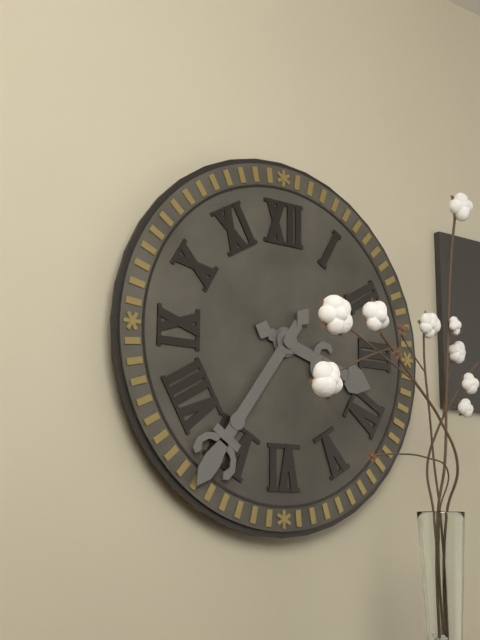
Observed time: 3:36
